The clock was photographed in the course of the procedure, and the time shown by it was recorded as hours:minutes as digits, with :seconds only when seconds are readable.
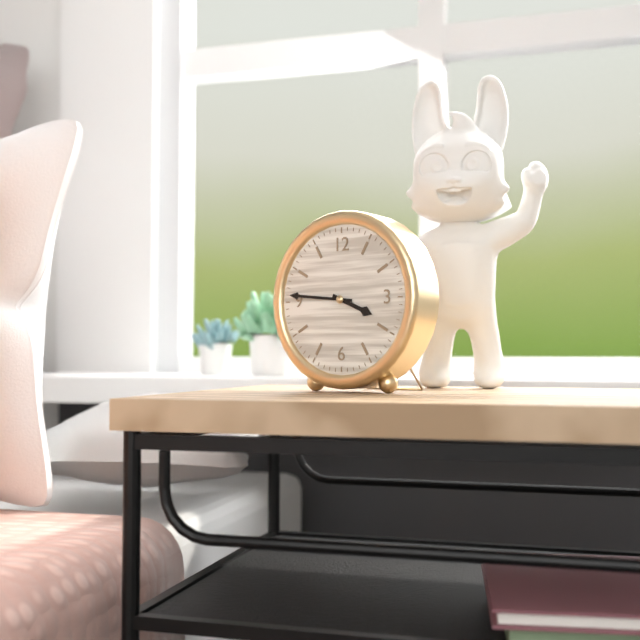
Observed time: 3:46
